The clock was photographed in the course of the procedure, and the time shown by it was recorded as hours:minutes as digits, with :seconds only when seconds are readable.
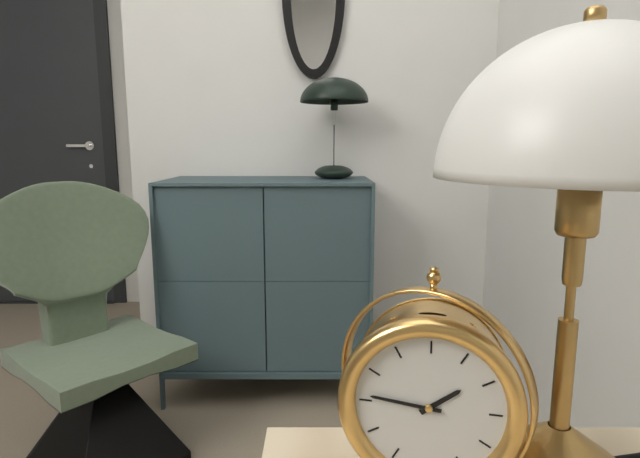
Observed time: 1:46
